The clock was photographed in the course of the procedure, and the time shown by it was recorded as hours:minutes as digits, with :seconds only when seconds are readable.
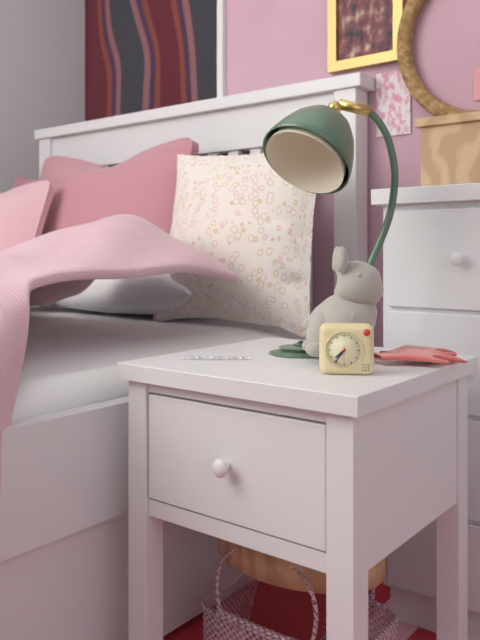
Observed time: 7:36
